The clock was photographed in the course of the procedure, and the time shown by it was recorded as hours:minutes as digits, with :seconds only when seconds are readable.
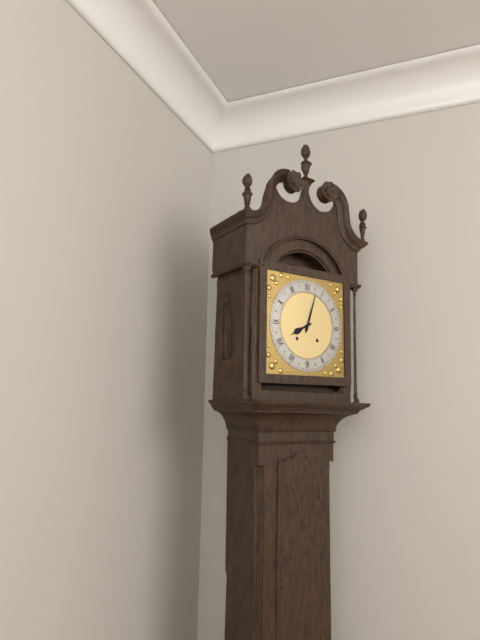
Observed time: 8:03
